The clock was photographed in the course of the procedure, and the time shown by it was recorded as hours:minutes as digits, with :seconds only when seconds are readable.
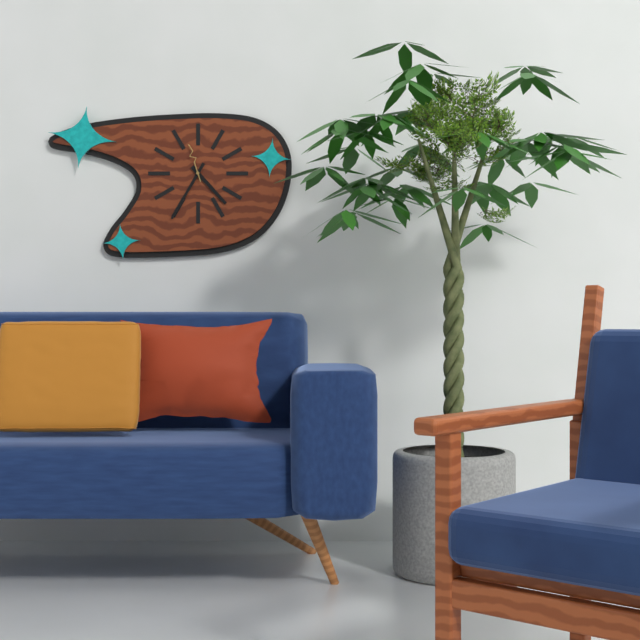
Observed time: 4:35
